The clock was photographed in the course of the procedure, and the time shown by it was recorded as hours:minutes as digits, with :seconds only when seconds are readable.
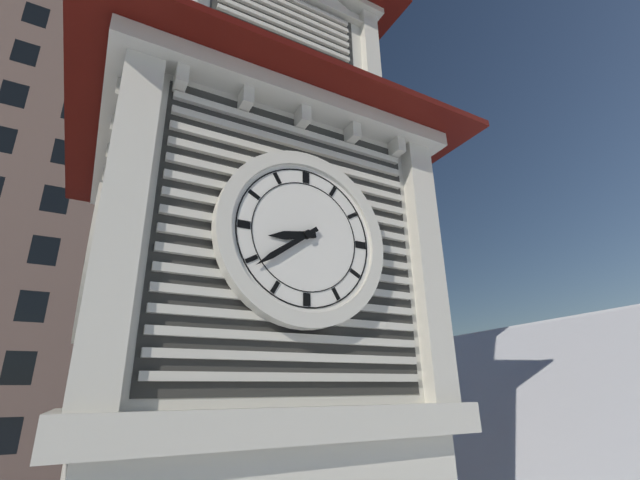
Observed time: 8:39
